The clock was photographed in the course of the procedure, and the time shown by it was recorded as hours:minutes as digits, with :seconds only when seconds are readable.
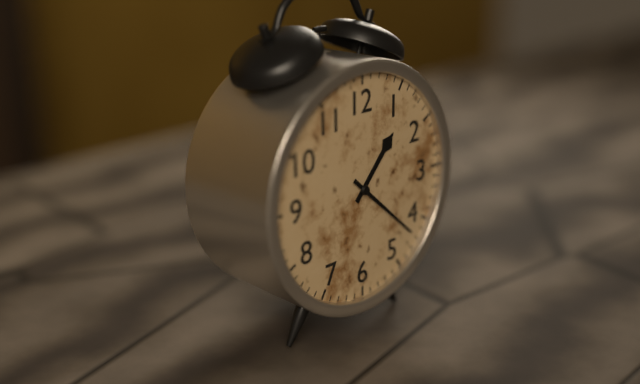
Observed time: 1:22
